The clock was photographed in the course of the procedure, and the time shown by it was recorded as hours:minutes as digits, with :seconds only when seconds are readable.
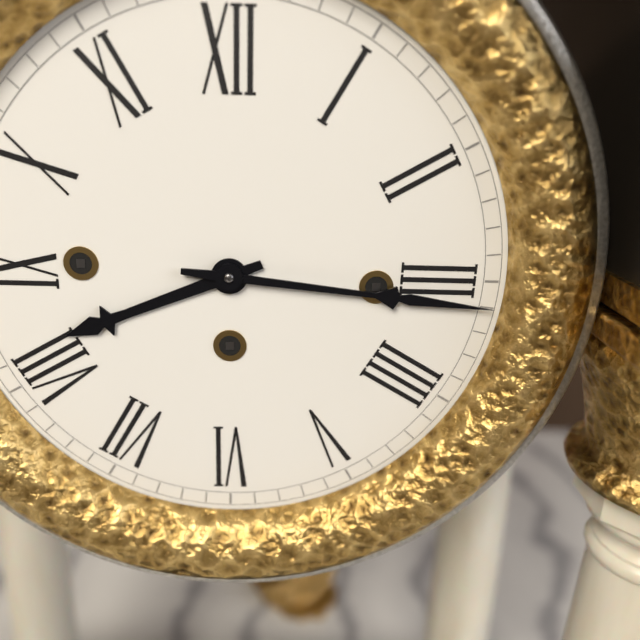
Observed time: 8:16
